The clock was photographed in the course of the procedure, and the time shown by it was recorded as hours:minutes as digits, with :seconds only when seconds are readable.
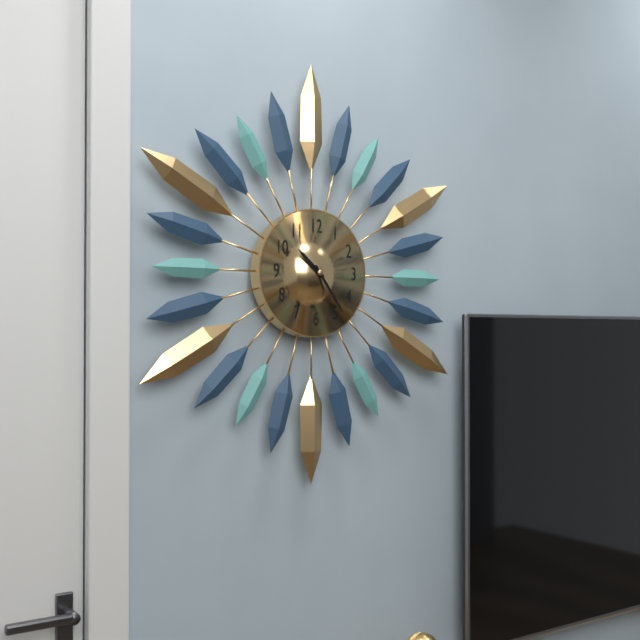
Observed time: 10:24
